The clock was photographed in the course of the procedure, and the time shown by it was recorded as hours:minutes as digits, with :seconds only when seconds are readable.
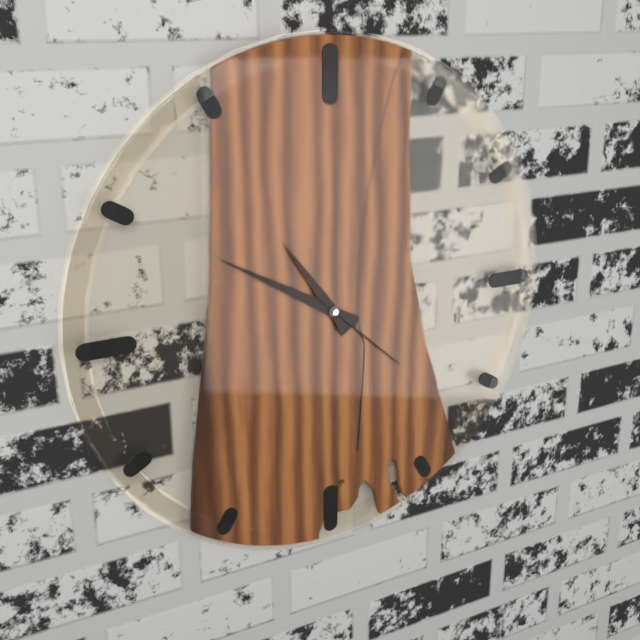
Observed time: 10:50:22
